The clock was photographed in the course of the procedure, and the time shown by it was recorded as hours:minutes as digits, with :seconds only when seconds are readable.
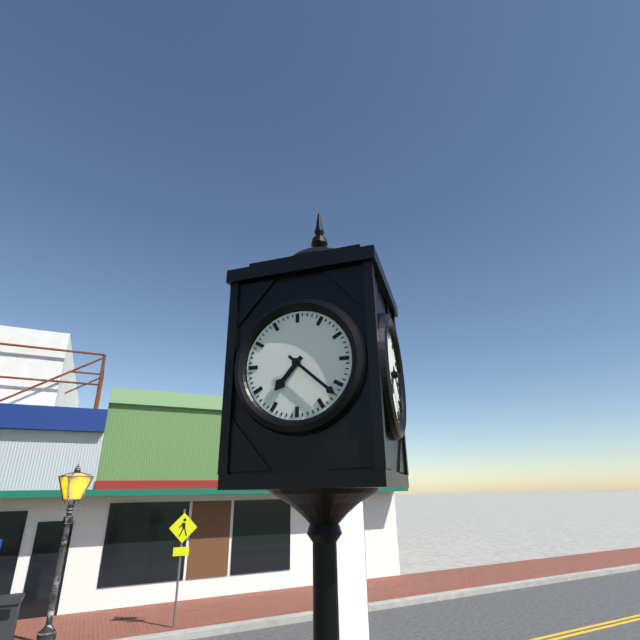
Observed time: 7:22
